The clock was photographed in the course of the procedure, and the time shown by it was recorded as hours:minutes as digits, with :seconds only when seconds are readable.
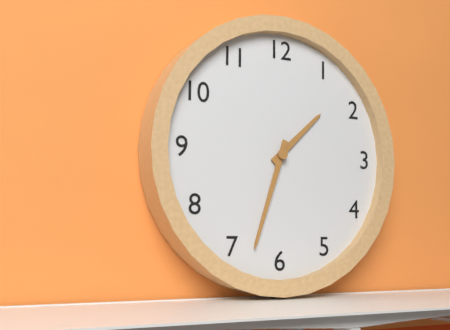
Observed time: 1:33
